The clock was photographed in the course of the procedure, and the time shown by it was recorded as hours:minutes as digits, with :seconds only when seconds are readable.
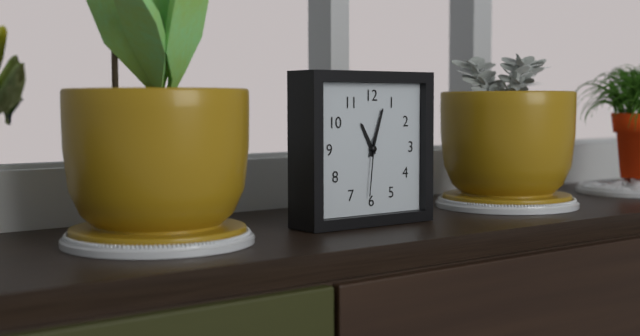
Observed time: 11:03:31
